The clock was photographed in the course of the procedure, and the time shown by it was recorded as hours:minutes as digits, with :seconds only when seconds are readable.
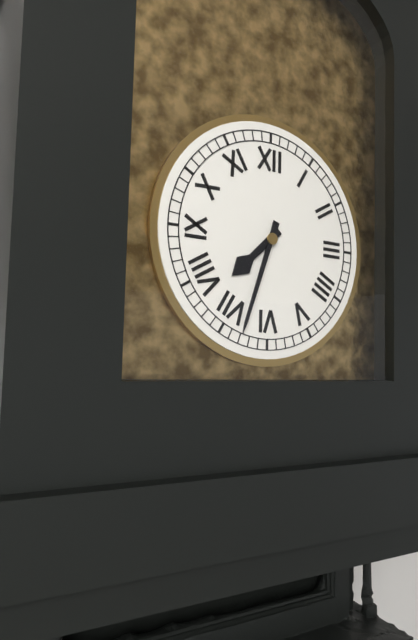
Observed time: 7:33
